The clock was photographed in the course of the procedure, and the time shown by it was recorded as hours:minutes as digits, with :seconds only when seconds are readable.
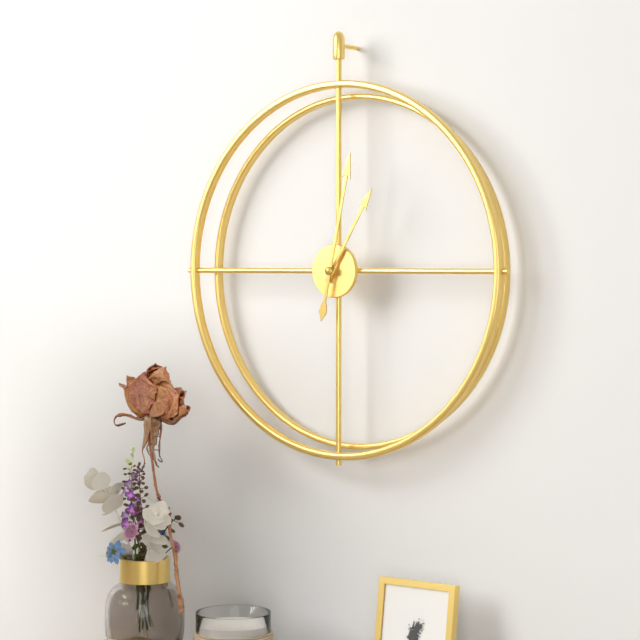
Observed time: 1:02
